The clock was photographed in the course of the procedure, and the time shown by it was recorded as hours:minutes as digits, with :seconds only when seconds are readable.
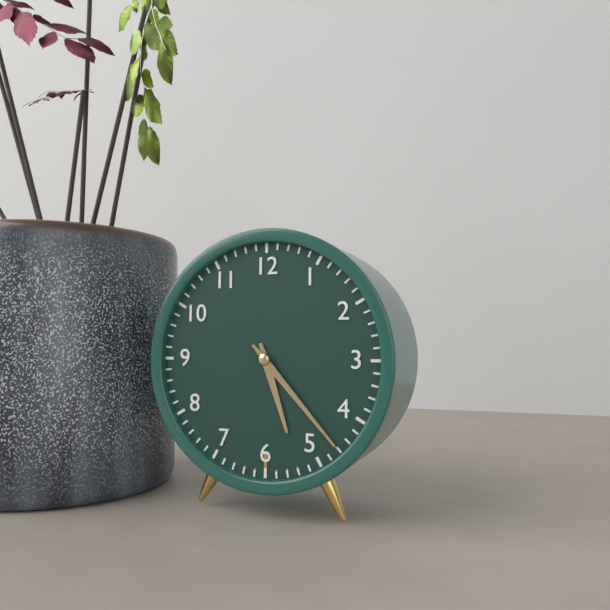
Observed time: 5:23
